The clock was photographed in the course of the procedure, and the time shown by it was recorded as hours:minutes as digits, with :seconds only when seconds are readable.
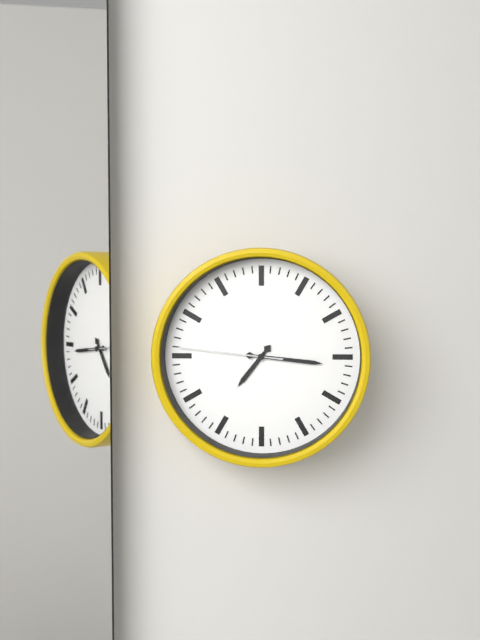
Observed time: 7:16:46
